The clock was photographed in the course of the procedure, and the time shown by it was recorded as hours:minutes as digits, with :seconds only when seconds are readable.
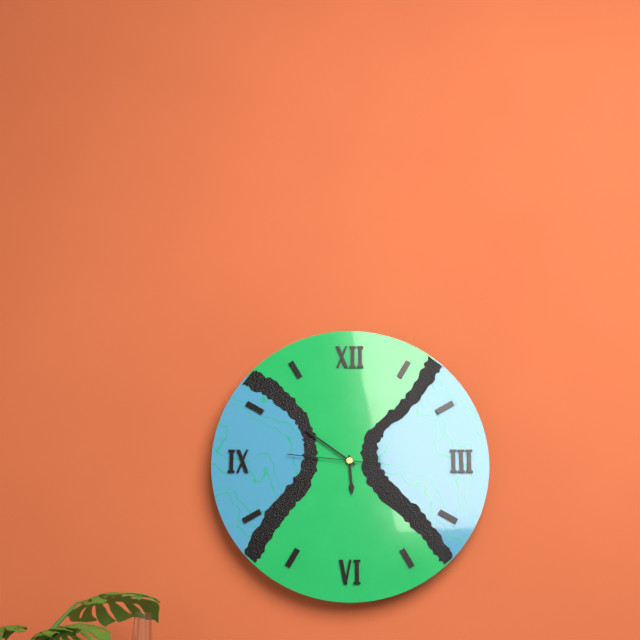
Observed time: 5:51:46
